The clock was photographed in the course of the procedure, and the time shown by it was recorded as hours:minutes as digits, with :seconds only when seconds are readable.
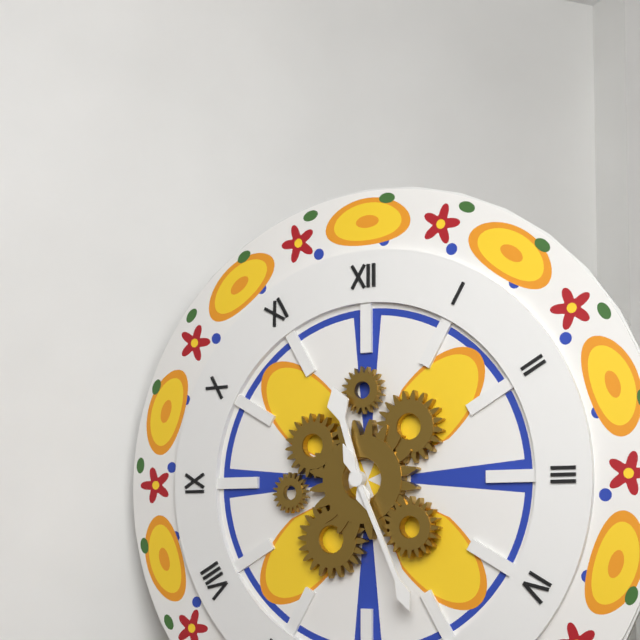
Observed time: 11:26
